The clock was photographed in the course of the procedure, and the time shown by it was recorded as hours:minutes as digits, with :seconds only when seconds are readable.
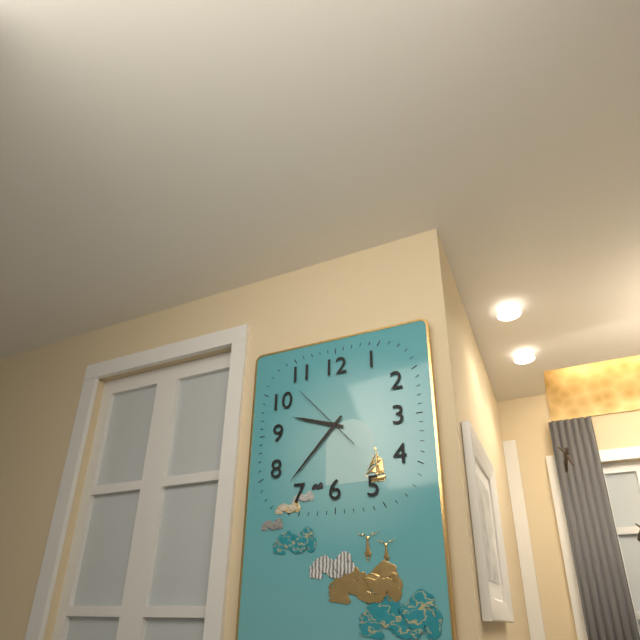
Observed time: 9:37:53
